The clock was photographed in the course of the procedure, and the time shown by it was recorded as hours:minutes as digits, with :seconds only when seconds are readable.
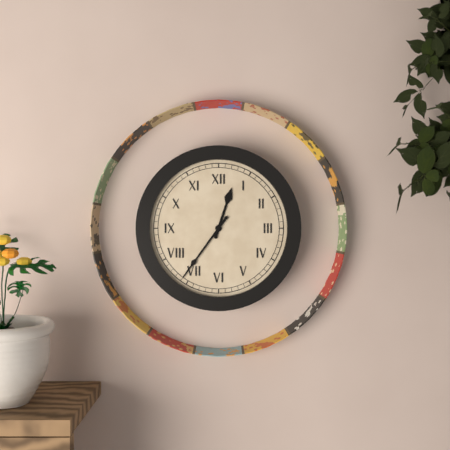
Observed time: 12:36
